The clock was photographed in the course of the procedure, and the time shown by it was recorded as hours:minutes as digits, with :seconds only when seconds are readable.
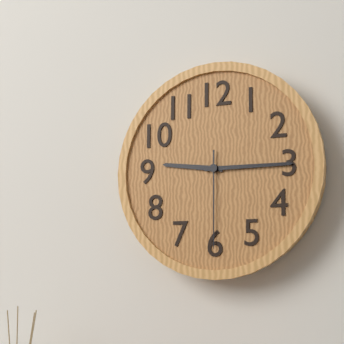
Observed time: 9:15:30
